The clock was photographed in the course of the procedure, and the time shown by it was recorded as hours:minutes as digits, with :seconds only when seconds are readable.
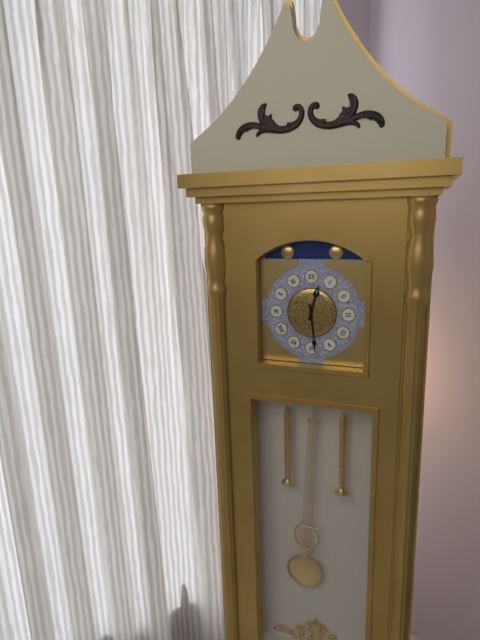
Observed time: 12:29
